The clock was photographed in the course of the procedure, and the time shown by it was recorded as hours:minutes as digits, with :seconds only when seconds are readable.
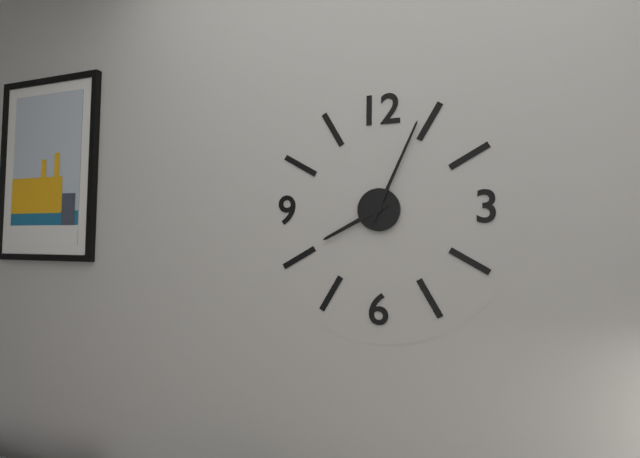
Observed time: 8:04
